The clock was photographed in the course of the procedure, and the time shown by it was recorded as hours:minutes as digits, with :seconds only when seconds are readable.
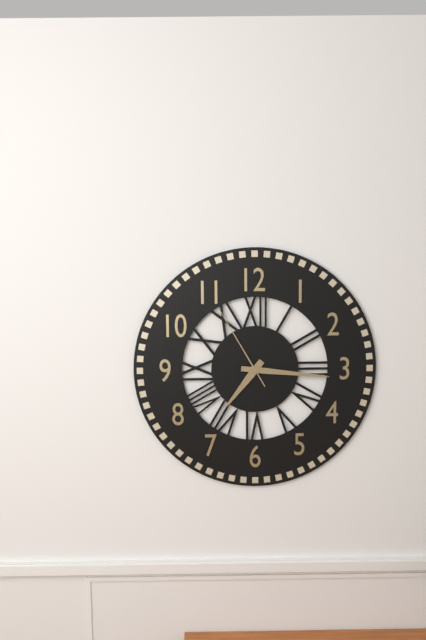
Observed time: 7:16:55
